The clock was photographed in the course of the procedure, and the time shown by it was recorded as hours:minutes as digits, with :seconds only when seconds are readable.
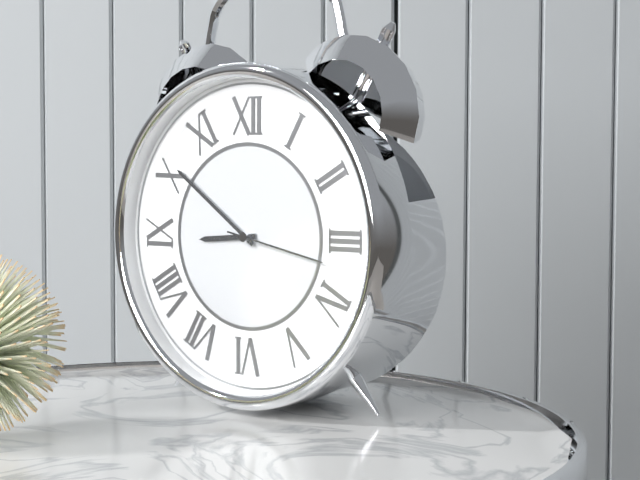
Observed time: 8:51:17
